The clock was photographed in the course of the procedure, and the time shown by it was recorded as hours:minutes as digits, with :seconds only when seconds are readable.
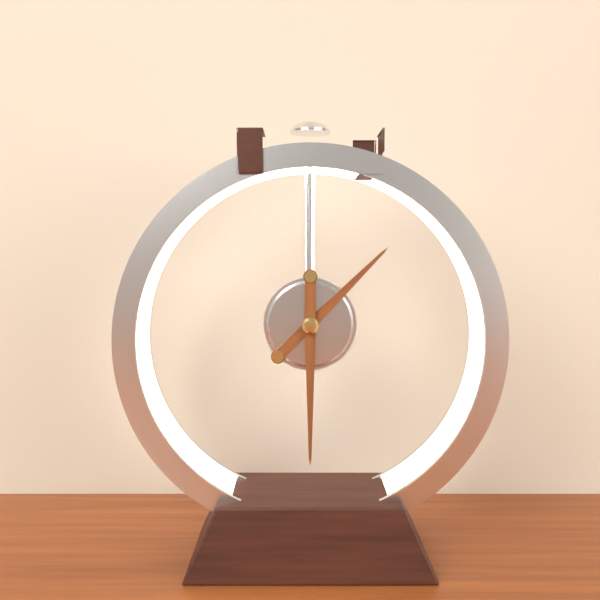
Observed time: 1:30
